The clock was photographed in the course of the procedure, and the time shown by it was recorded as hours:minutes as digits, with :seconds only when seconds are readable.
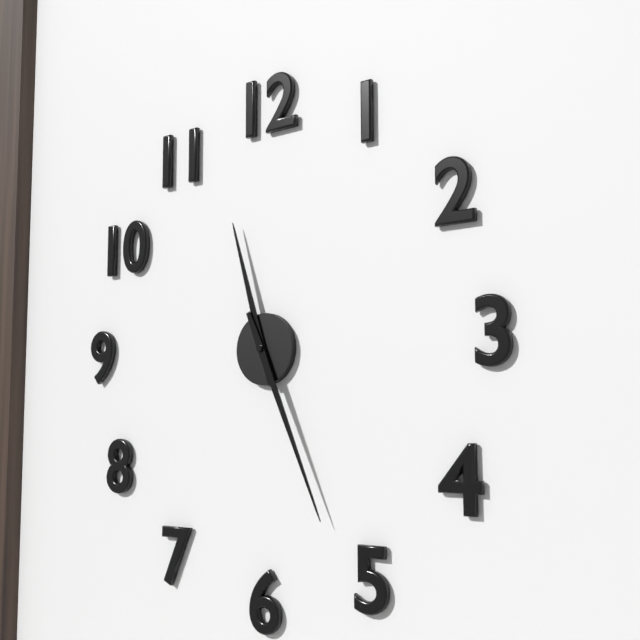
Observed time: 11:26
